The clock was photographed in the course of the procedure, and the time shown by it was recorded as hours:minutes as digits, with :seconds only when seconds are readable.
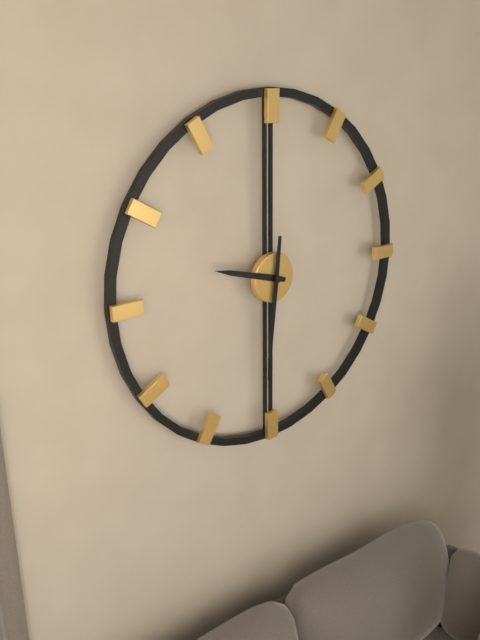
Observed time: 9:31
